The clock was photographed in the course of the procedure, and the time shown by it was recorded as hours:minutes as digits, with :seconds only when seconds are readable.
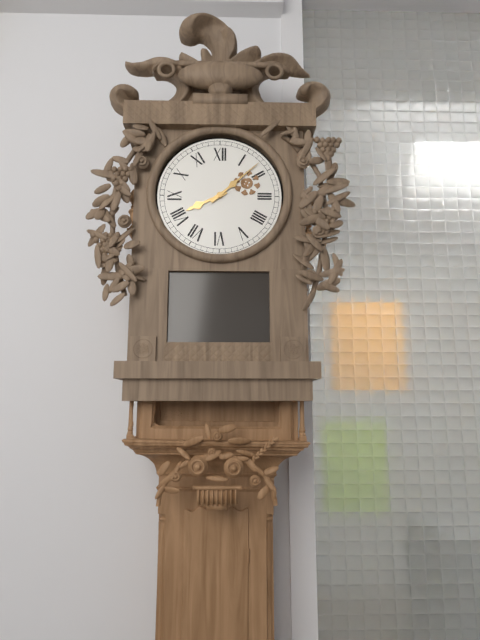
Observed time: 8:08
